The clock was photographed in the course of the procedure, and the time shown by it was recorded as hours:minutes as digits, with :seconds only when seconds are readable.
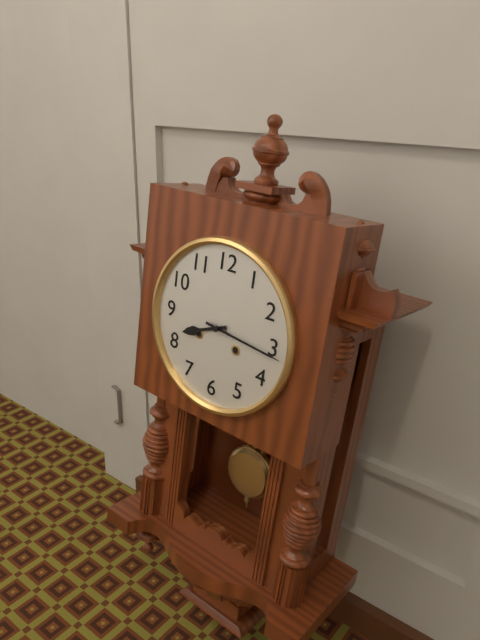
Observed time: 8:16
